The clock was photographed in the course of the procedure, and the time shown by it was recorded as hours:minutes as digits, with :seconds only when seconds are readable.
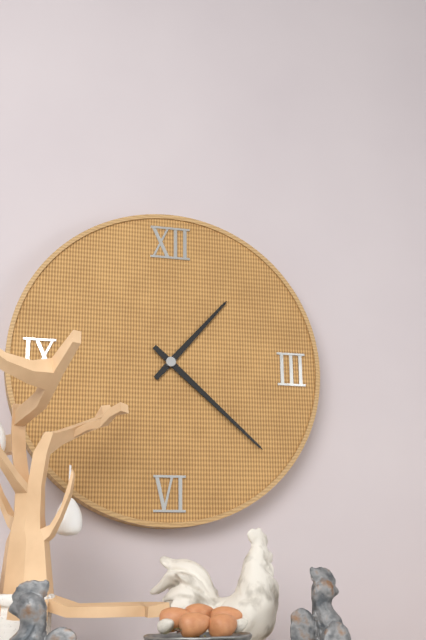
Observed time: 1:22
